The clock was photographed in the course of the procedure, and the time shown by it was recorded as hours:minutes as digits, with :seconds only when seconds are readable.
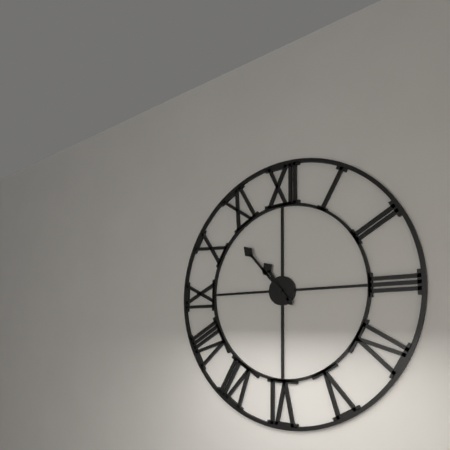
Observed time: 10:53
